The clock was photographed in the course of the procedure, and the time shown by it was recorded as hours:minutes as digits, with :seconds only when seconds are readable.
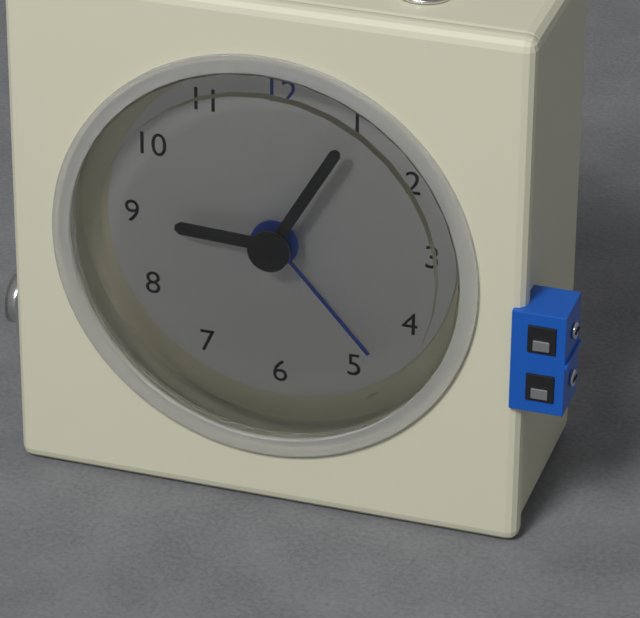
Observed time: 9:05:23
